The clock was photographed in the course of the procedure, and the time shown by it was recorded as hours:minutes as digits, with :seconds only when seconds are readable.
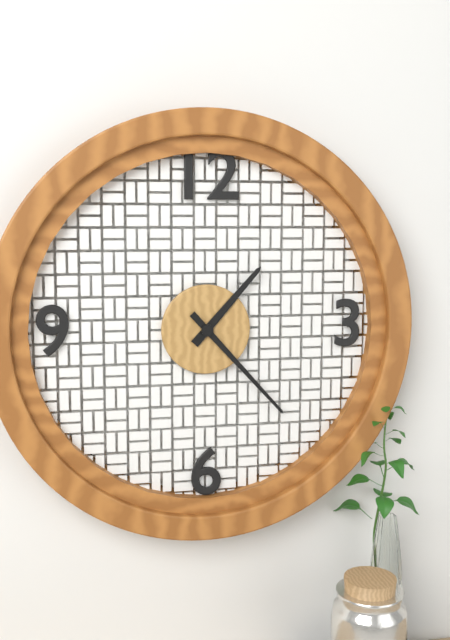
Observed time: 1:23
